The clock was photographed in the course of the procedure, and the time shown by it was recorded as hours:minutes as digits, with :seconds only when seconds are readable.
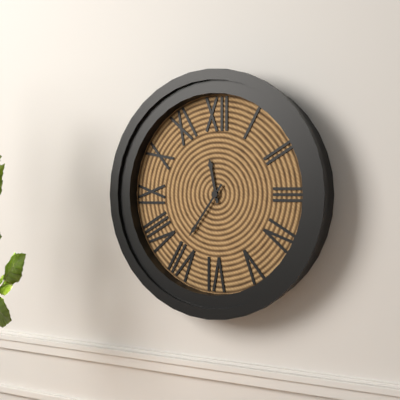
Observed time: 11:36
